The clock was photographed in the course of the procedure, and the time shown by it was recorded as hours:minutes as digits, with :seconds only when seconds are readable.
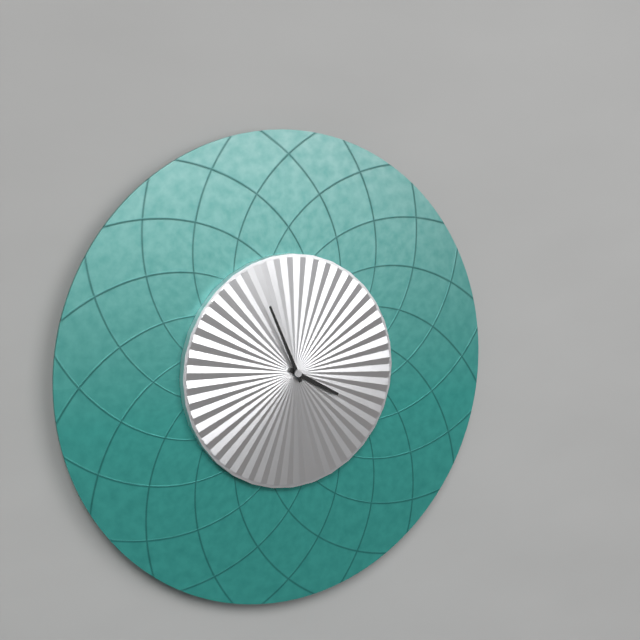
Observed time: 3:56
